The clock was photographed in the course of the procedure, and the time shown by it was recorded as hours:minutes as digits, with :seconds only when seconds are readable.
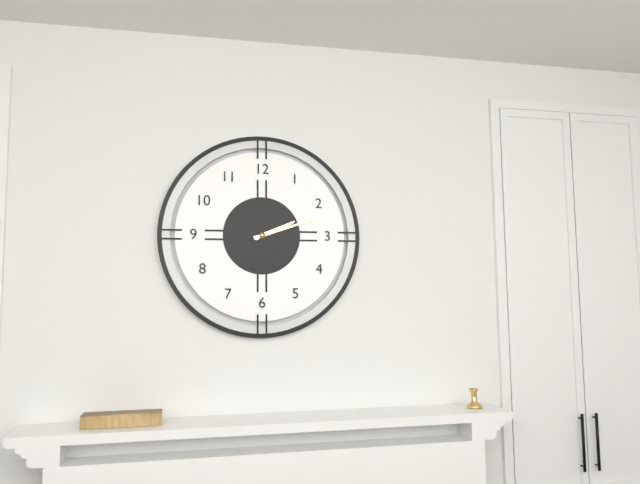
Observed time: 2:12
